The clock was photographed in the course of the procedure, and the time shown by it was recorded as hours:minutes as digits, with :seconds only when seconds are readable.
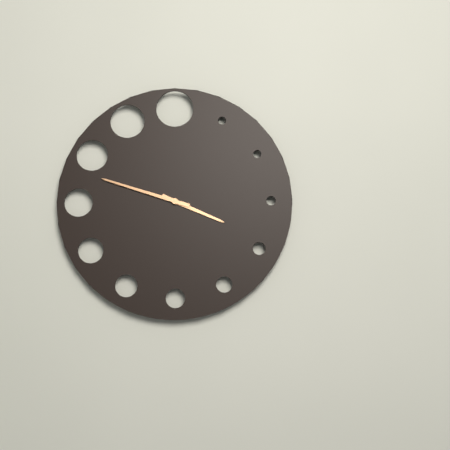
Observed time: 3:48
